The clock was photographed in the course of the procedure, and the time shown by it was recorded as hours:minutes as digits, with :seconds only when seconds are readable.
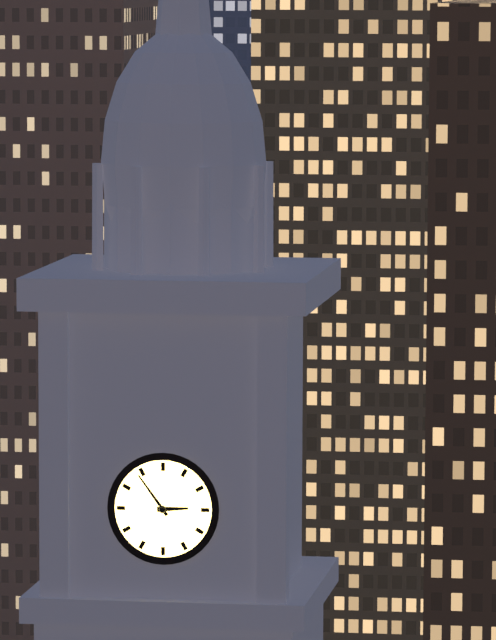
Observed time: 2:54
